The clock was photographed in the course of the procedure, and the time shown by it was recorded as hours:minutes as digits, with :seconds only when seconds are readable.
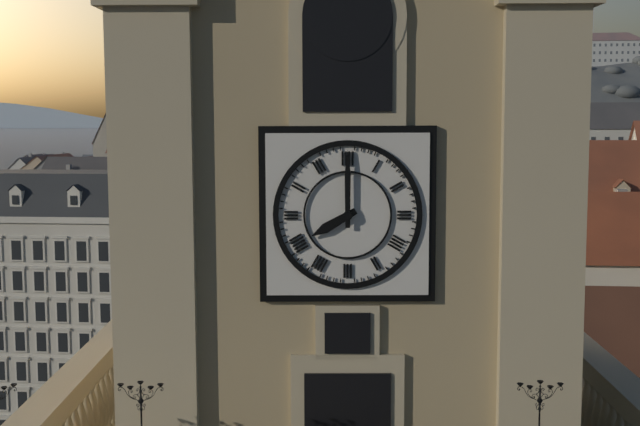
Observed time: 8:00
